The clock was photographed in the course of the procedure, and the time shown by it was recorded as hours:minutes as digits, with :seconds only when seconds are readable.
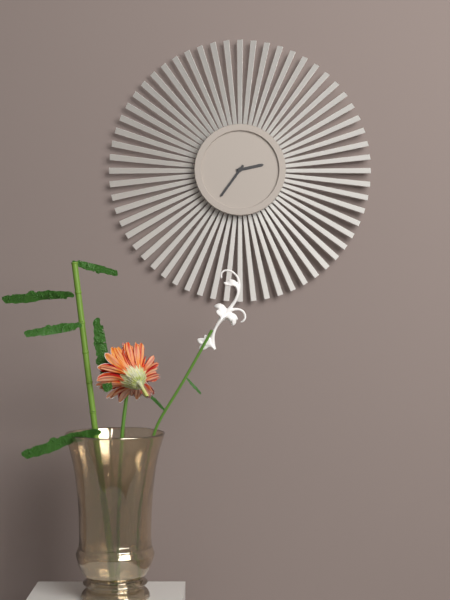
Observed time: 2:36
